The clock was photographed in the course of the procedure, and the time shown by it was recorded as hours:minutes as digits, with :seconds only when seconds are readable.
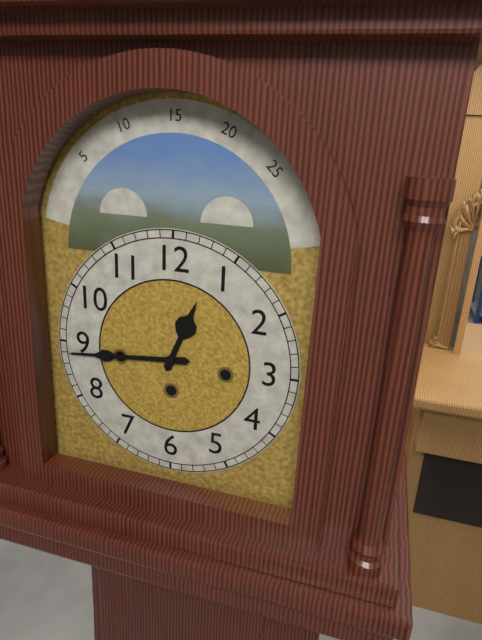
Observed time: 12:44
